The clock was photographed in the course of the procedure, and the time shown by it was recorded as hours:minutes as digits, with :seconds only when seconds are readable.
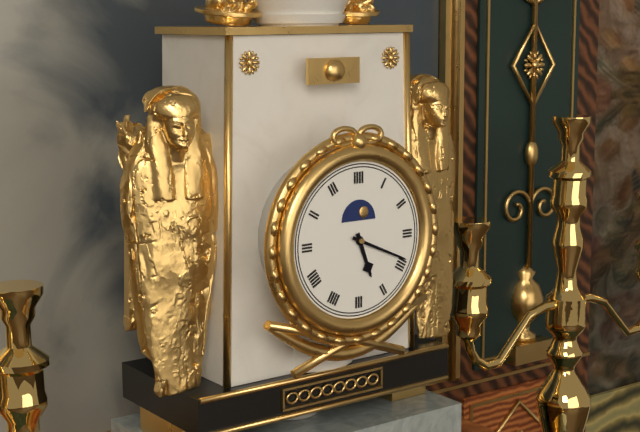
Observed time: 5:19
